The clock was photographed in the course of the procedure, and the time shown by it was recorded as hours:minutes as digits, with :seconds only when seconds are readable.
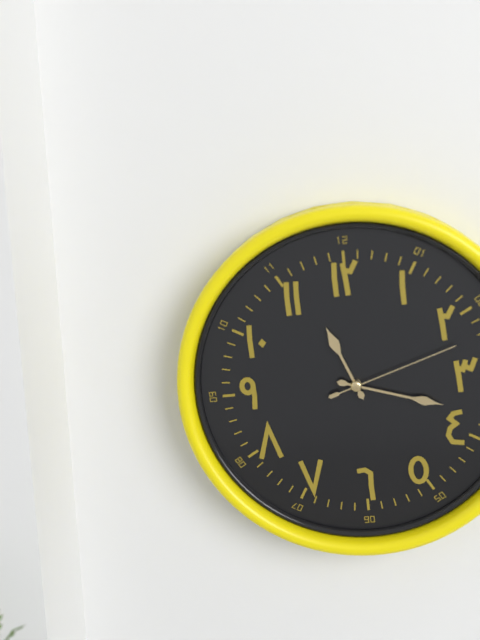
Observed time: 11:18:12
